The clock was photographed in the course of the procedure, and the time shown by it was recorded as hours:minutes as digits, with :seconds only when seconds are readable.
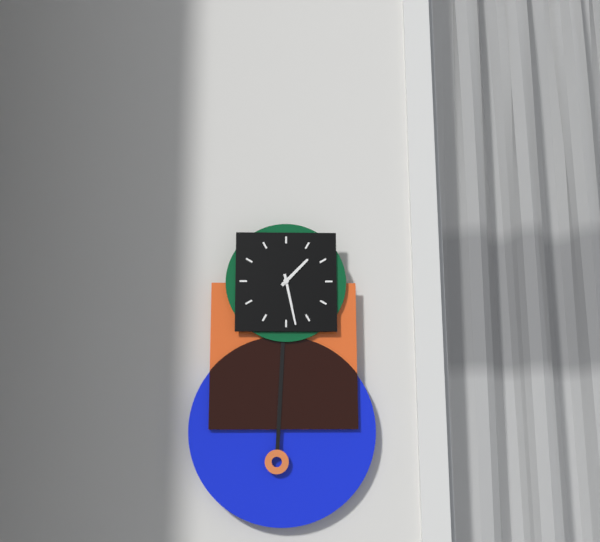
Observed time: 1:28
